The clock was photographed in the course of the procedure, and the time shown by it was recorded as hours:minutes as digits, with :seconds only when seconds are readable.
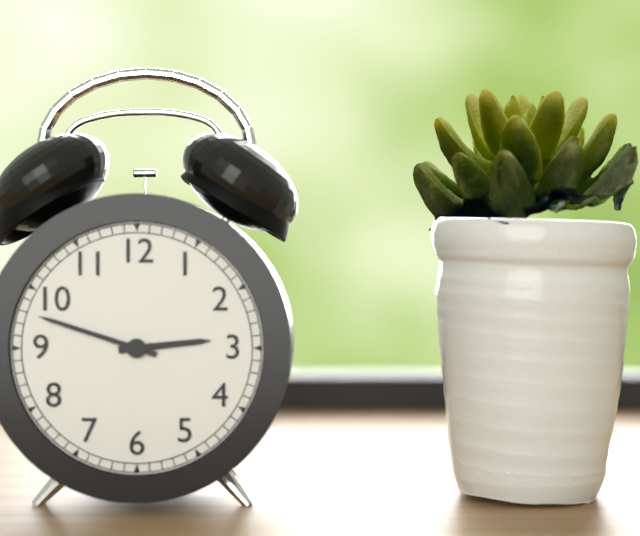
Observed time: 2:48
